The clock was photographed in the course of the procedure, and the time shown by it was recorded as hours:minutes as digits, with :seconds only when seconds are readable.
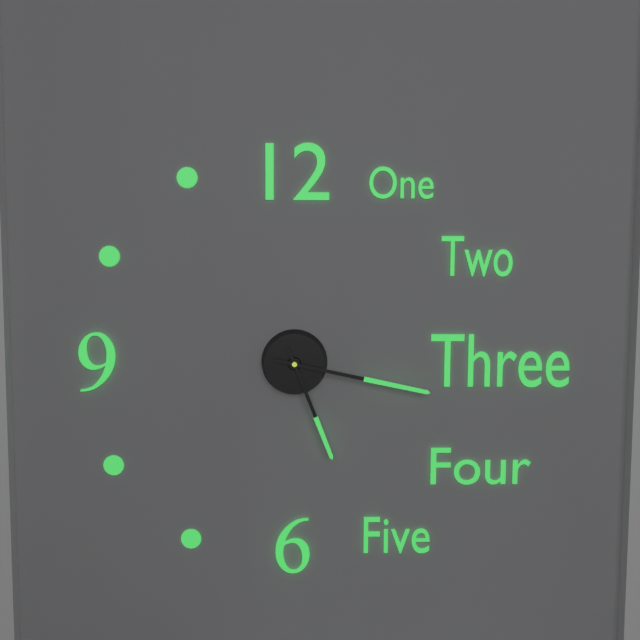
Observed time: 5:17
